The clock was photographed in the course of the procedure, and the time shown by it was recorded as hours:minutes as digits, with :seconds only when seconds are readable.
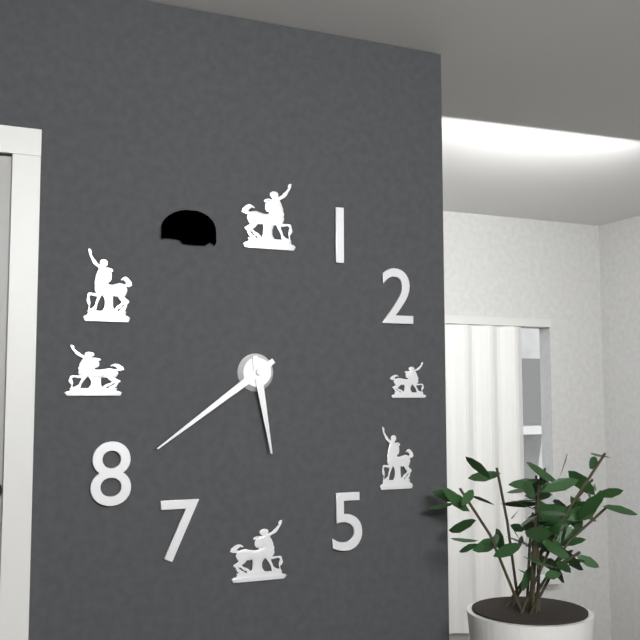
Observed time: 5:39
